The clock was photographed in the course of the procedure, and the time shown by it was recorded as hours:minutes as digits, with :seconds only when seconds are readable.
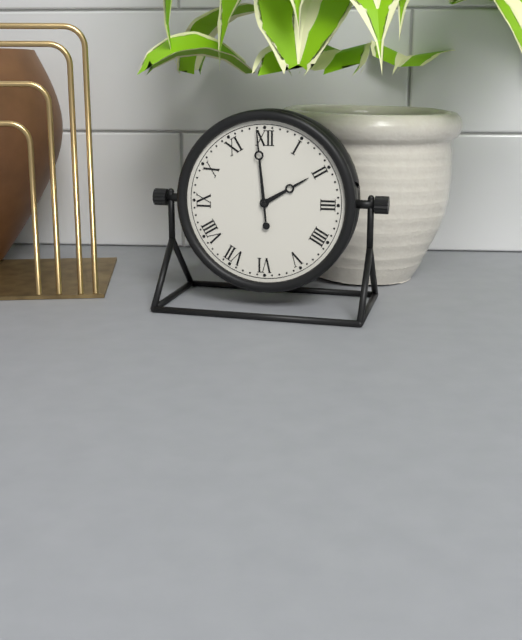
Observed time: 1:59
